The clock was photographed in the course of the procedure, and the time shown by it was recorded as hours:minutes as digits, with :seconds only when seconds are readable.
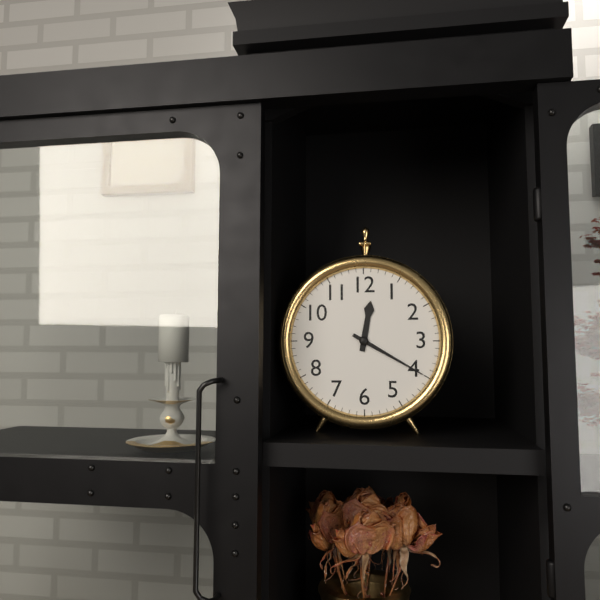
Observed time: 12:20
